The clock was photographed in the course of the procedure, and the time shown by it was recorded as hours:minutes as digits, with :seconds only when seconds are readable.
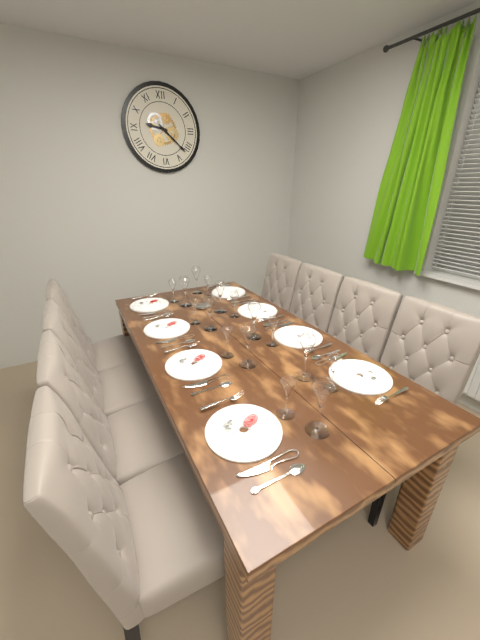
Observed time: 9:22
